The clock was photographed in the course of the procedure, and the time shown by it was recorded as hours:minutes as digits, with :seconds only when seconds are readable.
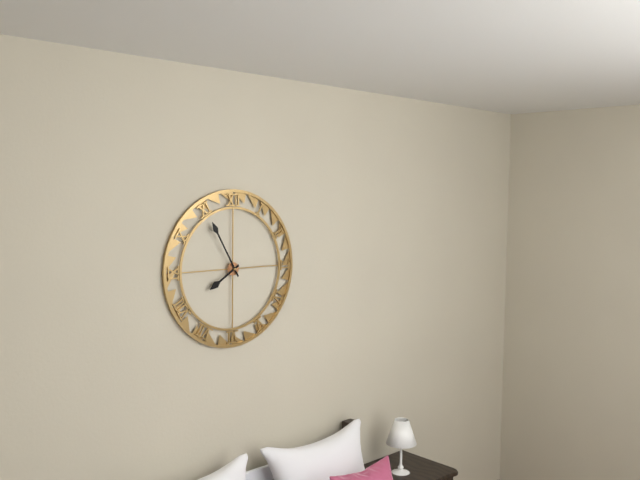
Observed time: 7:55
